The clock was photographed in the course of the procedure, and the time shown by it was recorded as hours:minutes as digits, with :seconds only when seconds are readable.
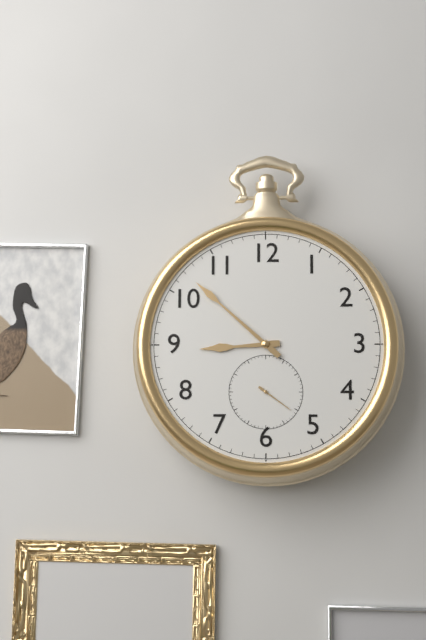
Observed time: 8:52
